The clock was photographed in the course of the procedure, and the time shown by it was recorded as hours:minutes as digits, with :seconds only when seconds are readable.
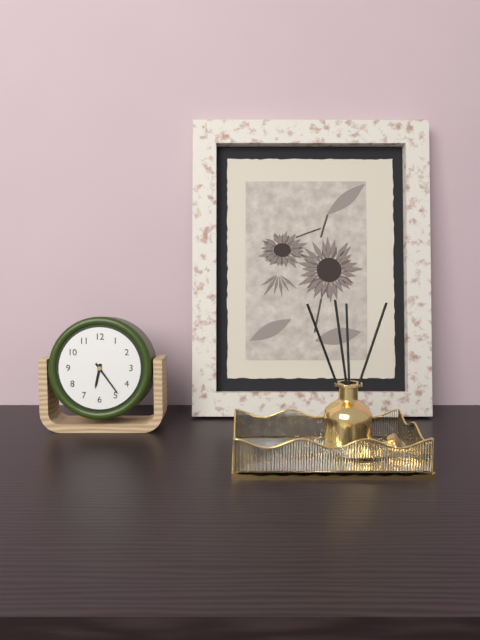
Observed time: 6:24
